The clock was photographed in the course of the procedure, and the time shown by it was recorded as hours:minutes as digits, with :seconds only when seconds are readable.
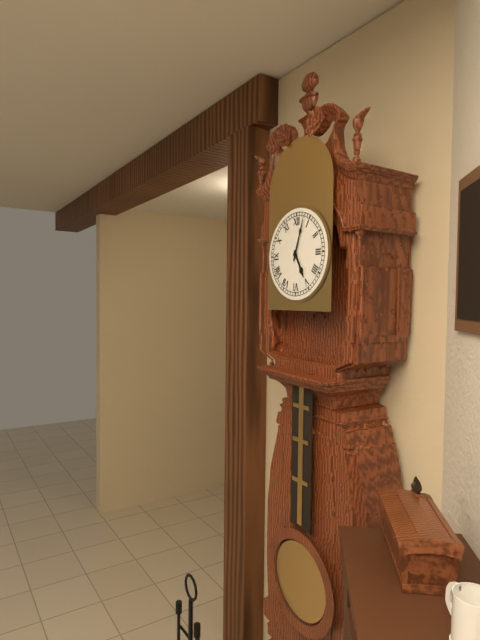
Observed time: 5:03
